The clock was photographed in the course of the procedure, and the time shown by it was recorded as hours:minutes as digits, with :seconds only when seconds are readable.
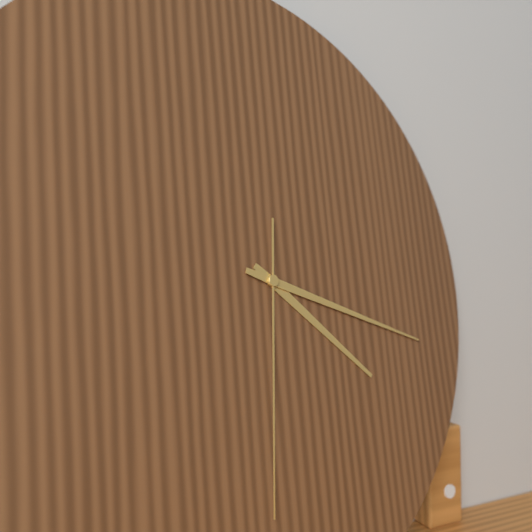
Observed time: 4:18:31
